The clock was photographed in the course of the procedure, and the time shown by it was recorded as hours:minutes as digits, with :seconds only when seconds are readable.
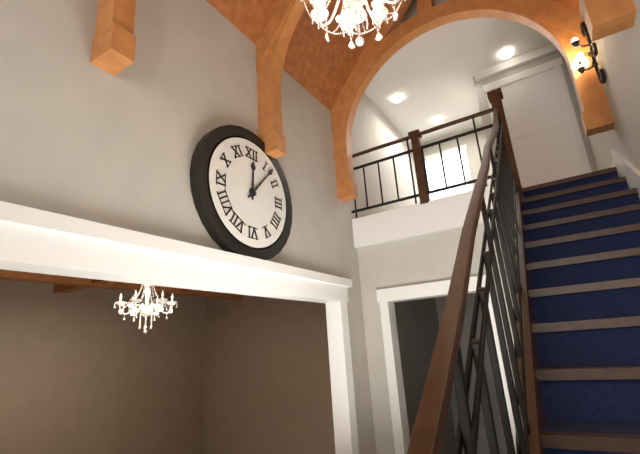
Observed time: 12:07
